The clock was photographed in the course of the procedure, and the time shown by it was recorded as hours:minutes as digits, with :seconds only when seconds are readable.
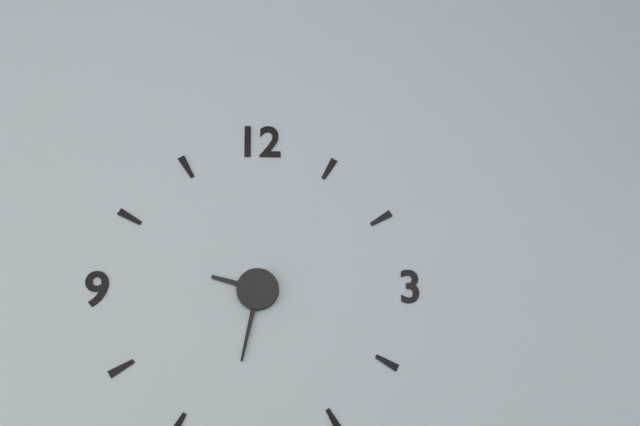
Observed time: 9:32
